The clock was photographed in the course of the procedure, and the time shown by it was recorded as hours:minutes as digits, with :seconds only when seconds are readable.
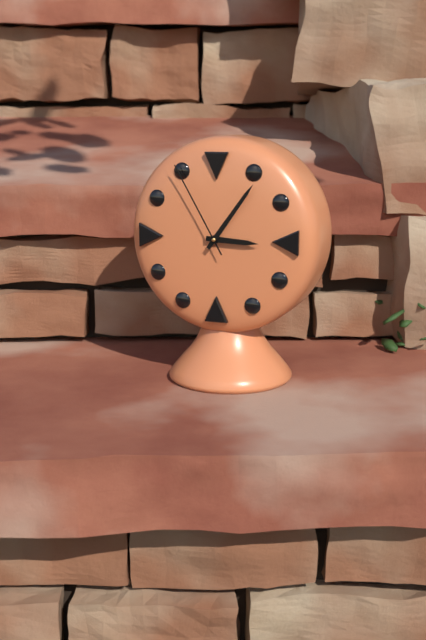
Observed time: 3:06:55
